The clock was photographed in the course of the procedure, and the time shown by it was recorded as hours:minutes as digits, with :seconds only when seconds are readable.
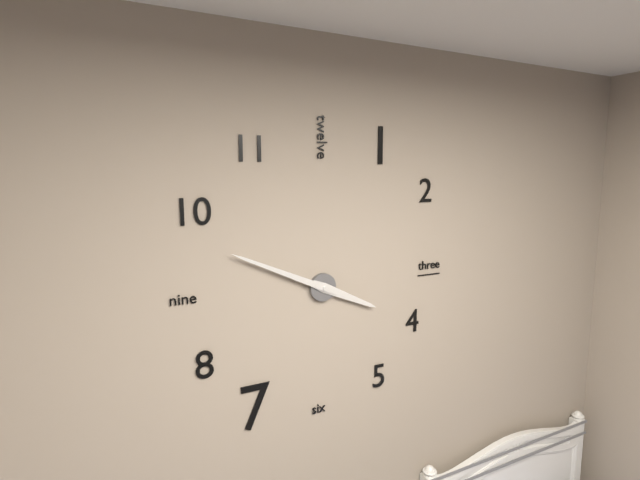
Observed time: 3:49
